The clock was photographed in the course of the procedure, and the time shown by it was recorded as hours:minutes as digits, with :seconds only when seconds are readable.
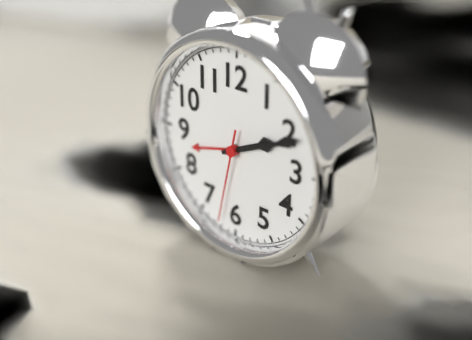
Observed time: 2:11:32
